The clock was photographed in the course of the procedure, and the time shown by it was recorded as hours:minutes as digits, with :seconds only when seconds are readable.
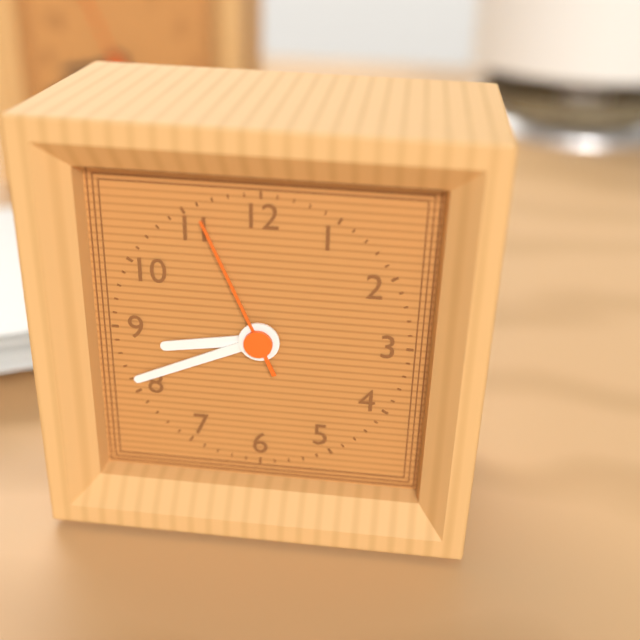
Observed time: 8:41:56
